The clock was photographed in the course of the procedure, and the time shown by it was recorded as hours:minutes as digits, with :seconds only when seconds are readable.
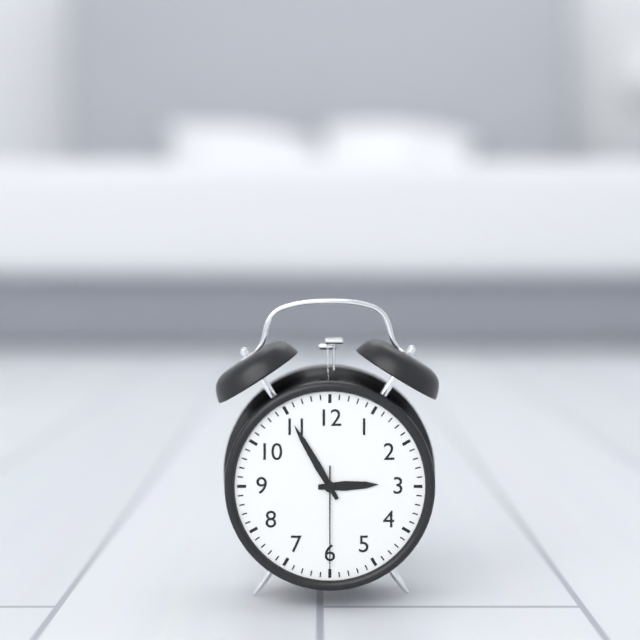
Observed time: 2:55:30
